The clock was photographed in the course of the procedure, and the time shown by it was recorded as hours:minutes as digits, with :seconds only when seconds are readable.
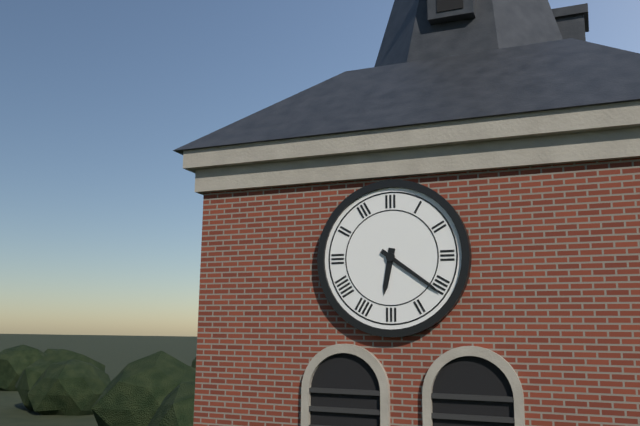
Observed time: 6:21
